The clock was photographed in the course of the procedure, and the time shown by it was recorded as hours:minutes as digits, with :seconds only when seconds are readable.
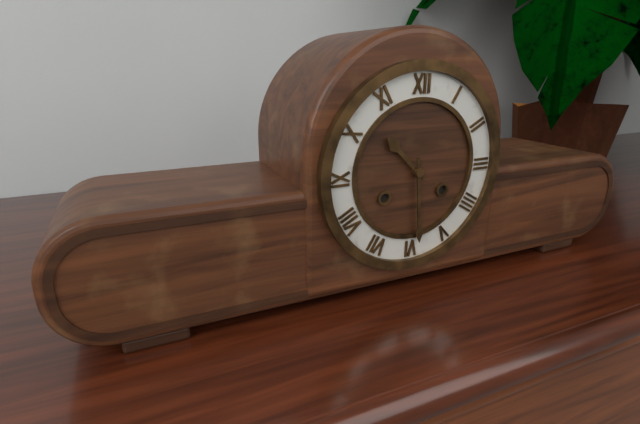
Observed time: 10:29
